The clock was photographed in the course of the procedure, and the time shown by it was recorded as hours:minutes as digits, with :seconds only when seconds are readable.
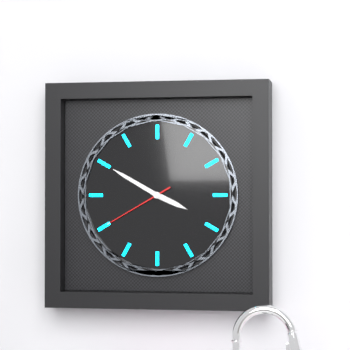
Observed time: 3:50:40
